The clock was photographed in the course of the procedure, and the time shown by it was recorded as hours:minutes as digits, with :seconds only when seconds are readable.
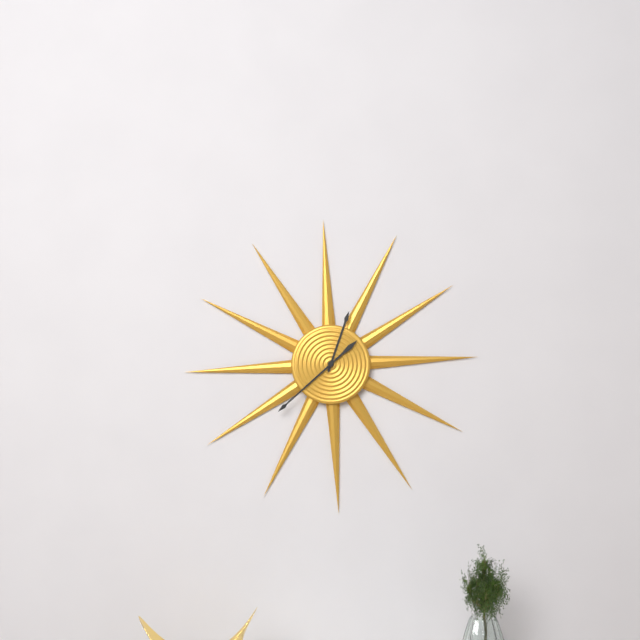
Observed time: 12:38
